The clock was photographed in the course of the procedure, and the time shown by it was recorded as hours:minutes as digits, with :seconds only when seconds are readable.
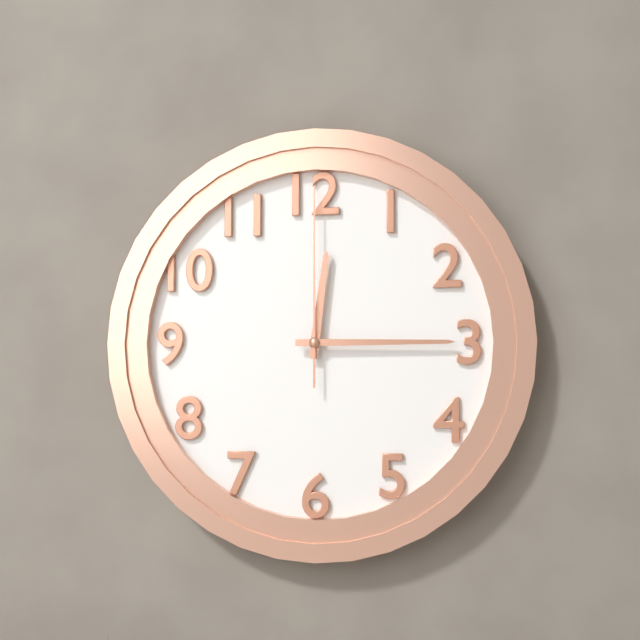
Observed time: 12:15:00
